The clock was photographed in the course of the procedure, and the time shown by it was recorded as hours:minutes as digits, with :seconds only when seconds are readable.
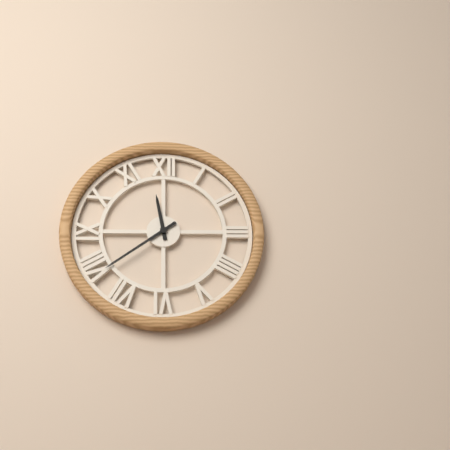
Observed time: 11:39
